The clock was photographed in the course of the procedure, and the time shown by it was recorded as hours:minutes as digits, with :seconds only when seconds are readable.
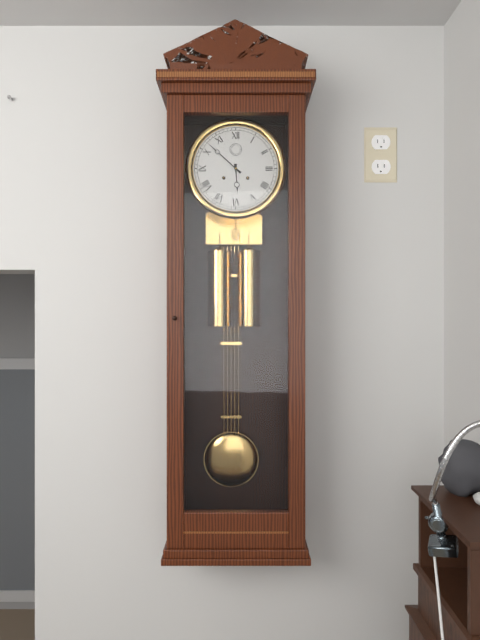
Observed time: 5:52
